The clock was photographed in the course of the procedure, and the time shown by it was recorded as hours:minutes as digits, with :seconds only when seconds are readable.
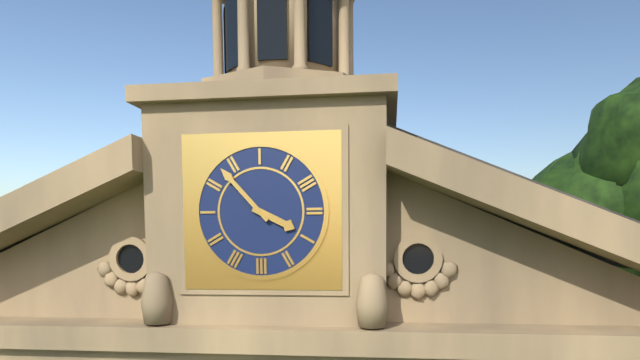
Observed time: 3:53
